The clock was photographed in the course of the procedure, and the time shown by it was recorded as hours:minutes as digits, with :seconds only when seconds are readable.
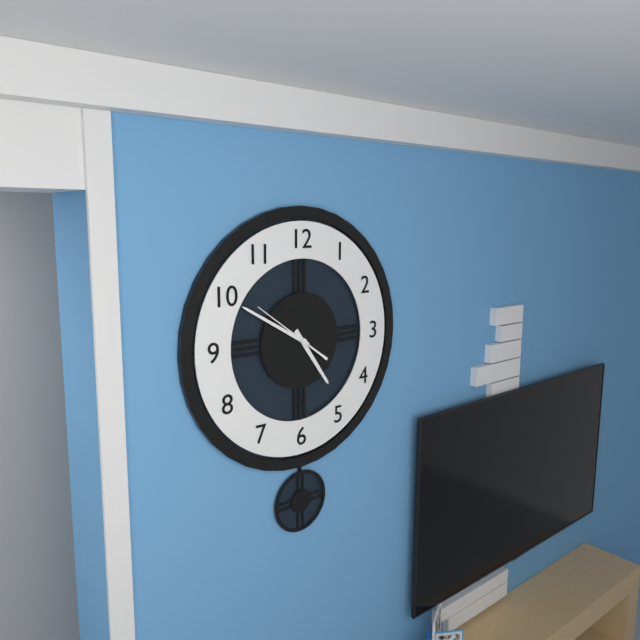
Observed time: 4:50:51
